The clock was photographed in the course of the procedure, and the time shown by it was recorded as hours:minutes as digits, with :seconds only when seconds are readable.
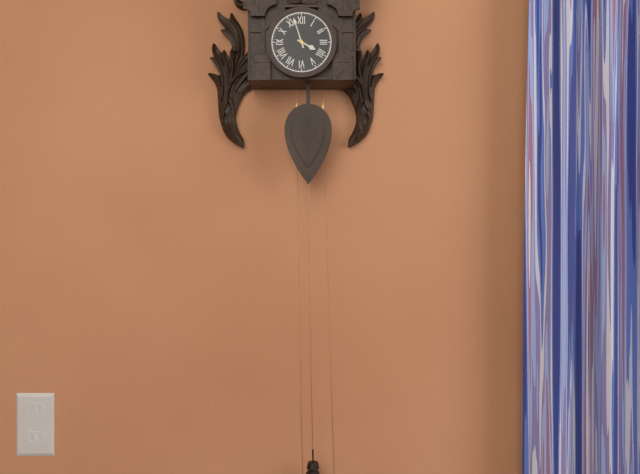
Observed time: 3:57
